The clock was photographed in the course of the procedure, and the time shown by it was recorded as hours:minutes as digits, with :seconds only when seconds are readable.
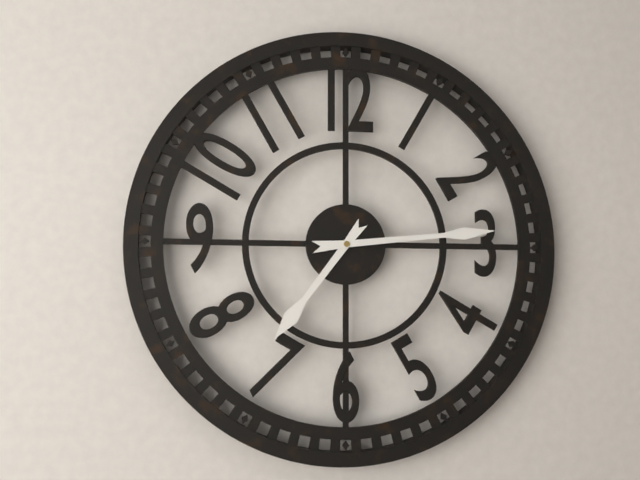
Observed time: 7:14
